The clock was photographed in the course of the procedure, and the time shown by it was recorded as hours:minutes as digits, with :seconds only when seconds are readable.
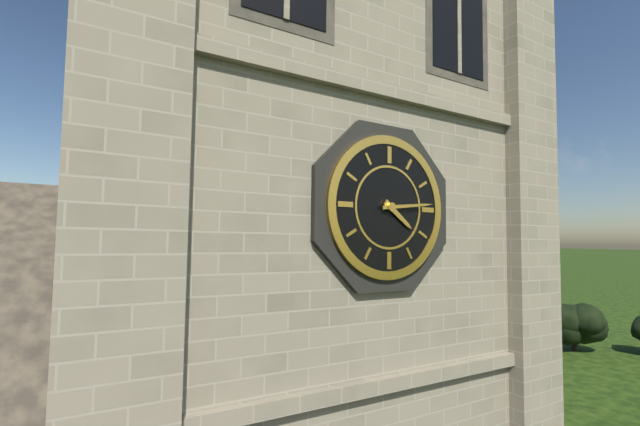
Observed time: 4:14
